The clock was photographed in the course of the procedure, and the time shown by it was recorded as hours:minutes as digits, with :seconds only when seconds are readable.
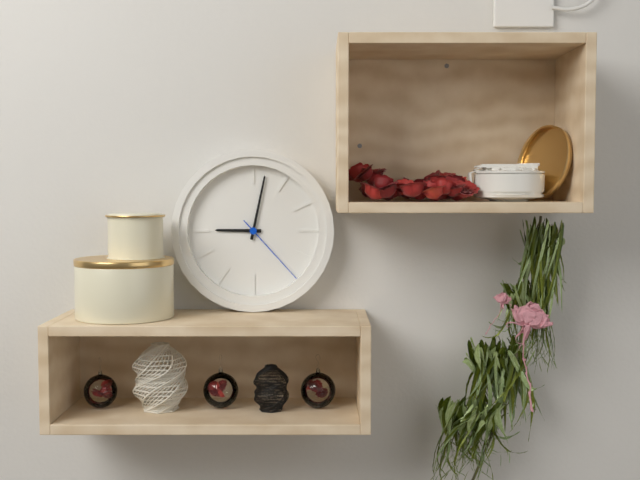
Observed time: 9:02:23
